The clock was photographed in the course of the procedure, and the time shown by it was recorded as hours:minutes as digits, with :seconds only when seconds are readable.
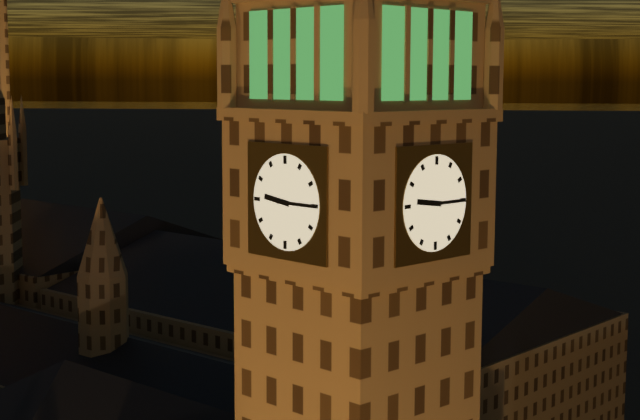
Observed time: 9:15
